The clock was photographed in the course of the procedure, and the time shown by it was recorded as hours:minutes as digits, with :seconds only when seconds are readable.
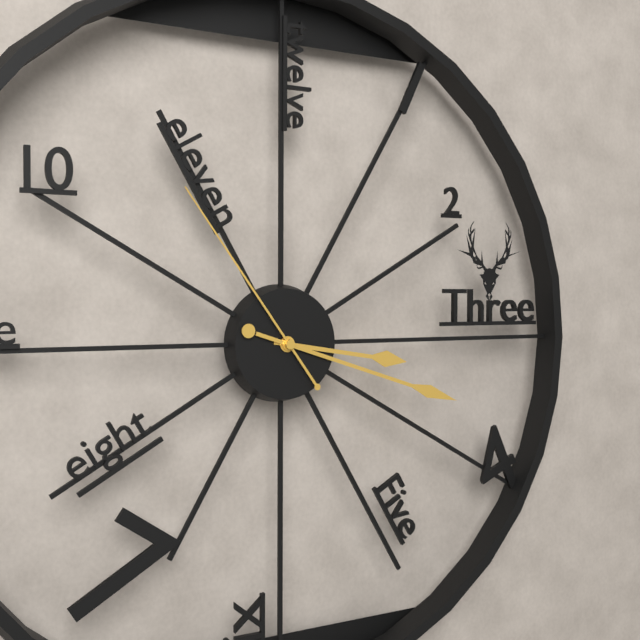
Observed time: 3:18:54
